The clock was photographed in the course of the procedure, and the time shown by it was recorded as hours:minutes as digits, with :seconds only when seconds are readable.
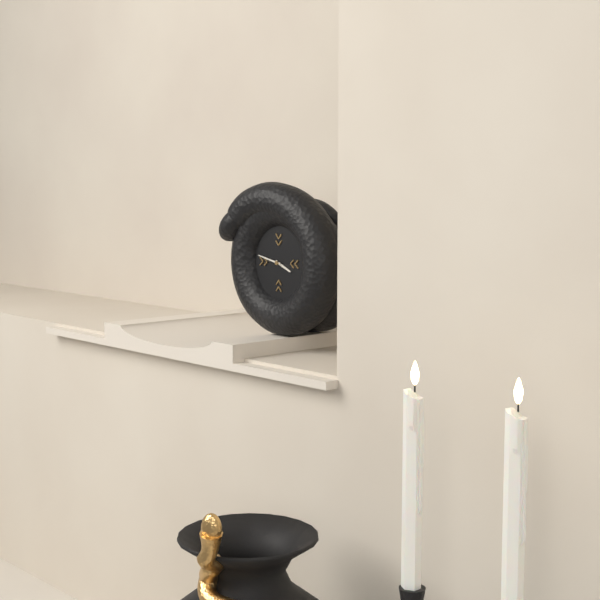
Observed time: 3:47
